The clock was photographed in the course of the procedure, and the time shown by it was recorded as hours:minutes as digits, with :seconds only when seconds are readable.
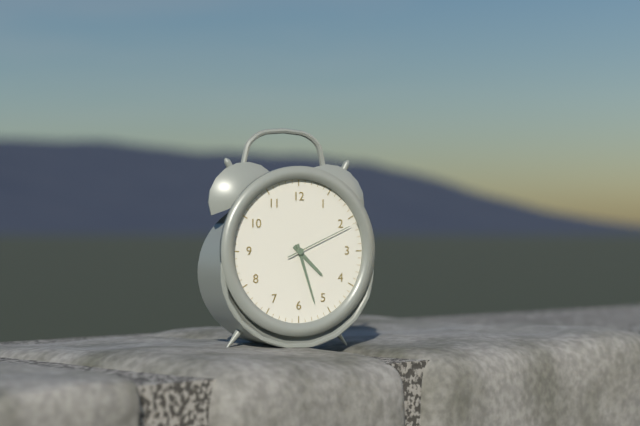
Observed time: 4:27:11
